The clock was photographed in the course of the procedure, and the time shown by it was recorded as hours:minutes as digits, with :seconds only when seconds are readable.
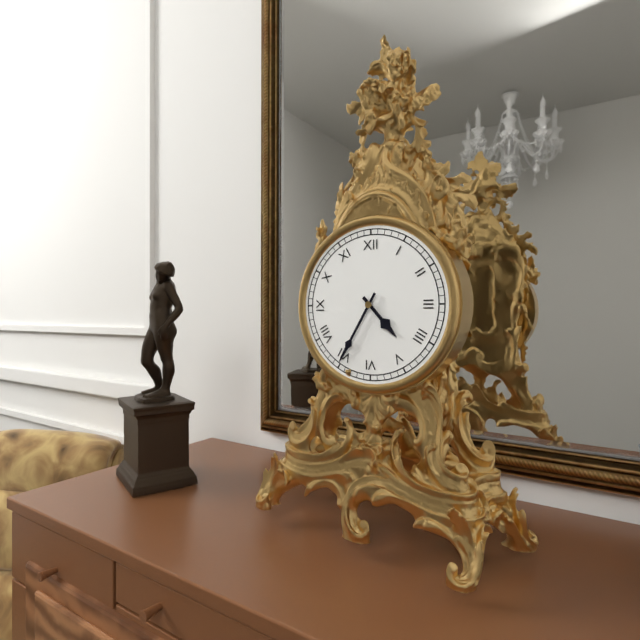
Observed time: 4:35
